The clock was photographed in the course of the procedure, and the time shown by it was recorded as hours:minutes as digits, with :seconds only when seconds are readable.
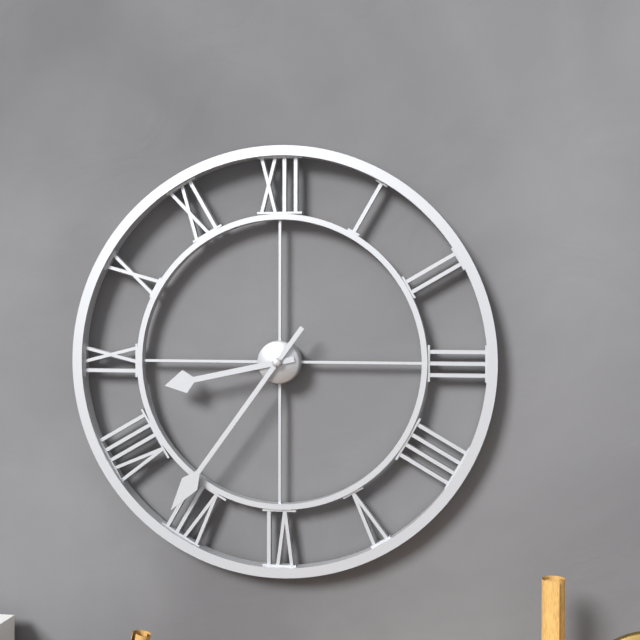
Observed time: 8:36
